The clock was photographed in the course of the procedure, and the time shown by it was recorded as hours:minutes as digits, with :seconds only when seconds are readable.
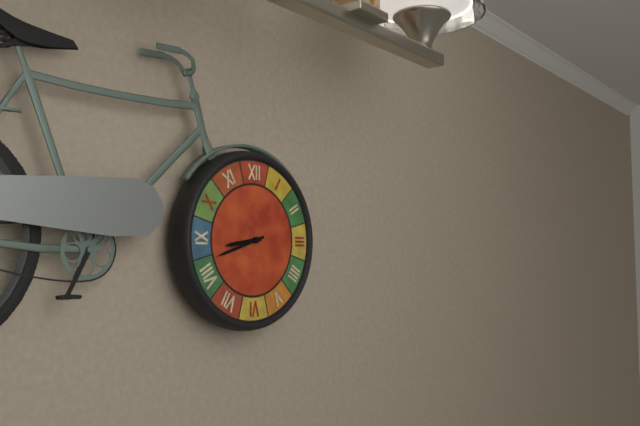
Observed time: 8:42
